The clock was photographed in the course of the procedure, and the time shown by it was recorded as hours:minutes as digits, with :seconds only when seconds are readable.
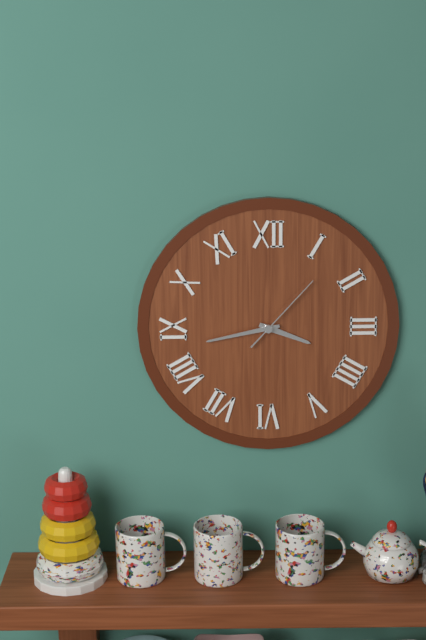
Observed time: 3:43:07
